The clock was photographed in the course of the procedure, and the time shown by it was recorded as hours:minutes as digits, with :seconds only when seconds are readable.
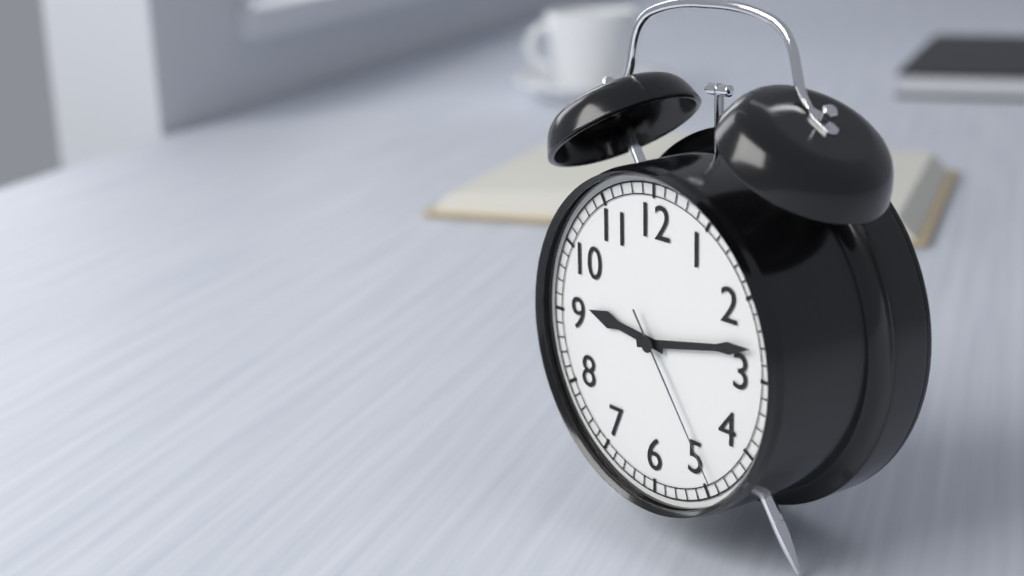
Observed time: 9:13:24
